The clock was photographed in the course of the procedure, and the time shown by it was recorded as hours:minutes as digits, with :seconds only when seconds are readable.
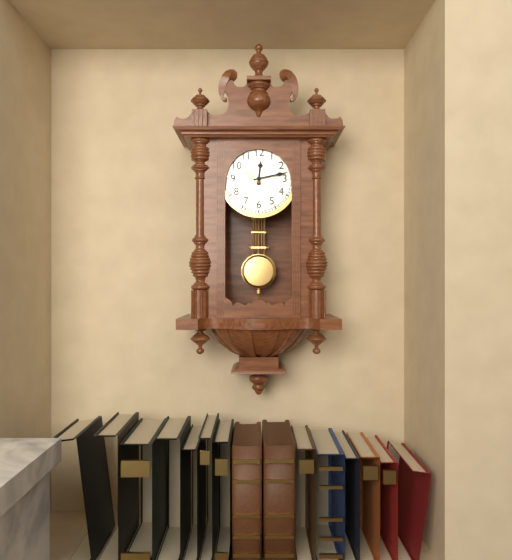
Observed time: 12:13
